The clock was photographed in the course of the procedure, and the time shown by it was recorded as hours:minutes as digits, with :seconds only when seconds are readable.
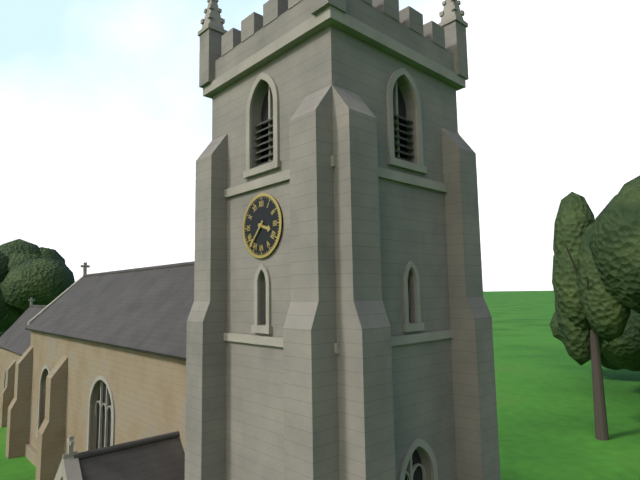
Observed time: 3:37
